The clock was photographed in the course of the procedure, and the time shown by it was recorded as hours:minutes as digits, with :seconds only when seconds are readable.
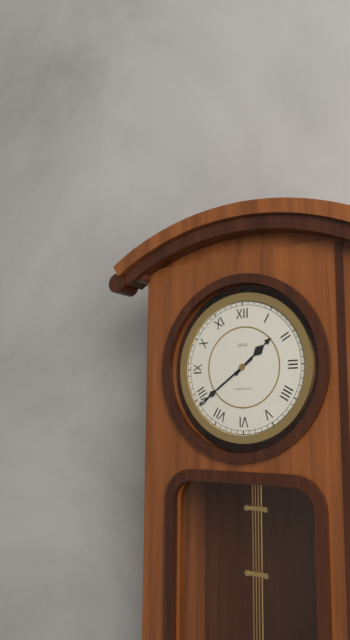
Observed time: 1:39
